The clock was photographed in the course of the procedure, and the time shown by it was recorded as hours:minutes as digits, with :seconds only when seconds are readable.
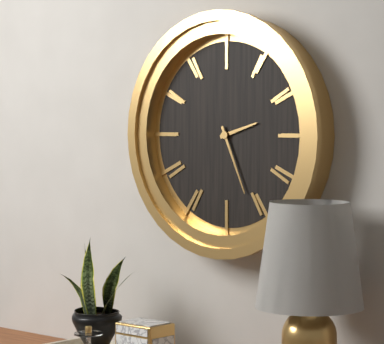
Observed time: 2:26
